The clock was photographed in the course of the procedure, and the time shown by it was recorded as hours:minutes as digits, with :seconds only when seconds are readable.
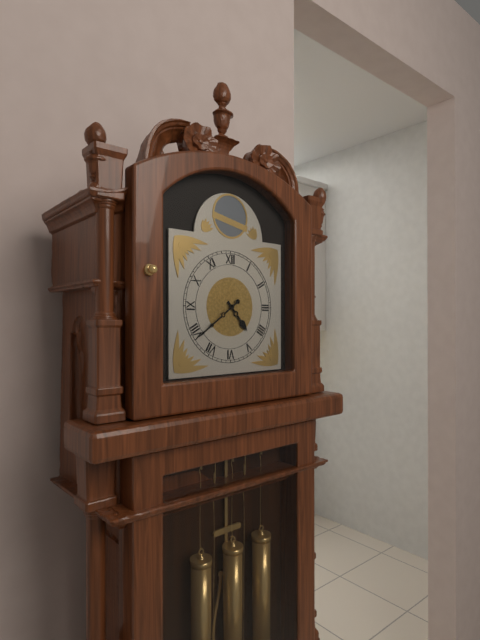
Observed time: 4:39
